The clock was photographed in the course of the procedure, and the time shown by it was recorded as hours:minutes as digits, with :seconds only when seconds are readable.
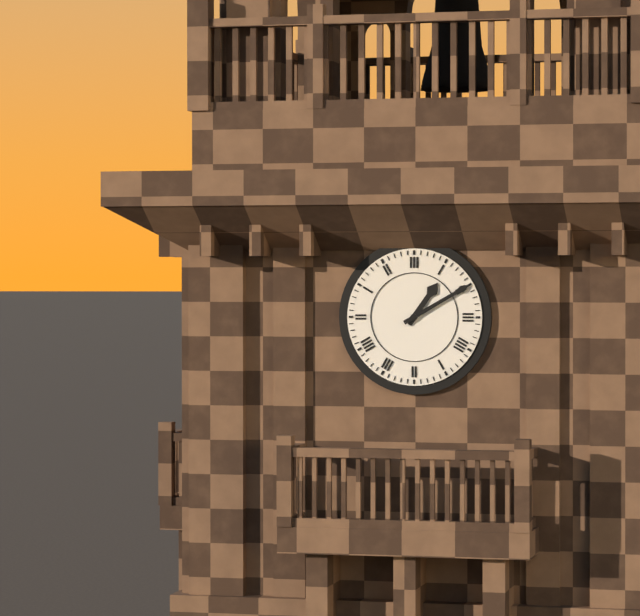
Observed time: 1:10
